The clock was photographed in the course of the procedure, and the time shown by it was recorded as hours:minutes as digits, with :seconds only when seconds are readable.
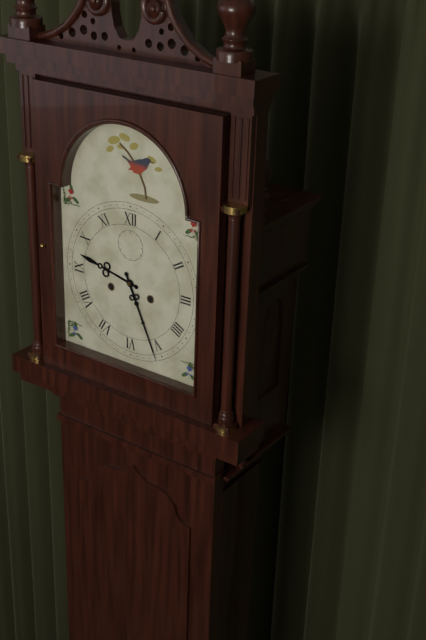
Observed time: 9:26
